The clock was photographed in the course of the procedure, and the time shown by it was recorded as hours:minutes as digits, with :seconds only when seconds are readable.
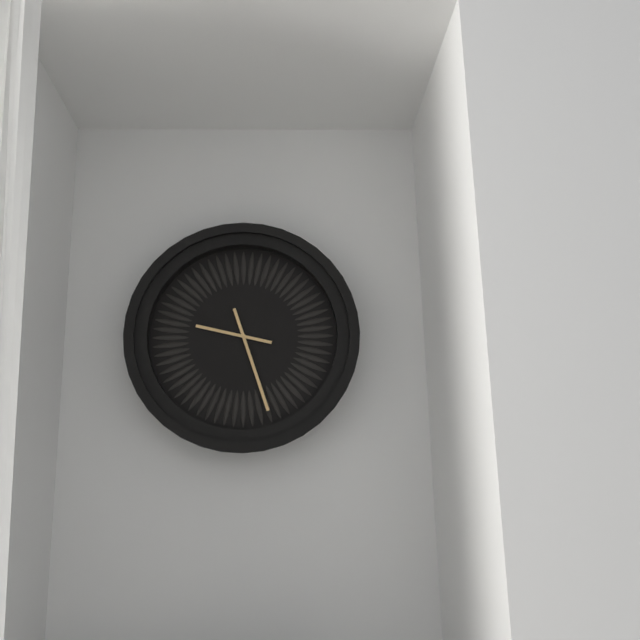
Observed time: 9:27
